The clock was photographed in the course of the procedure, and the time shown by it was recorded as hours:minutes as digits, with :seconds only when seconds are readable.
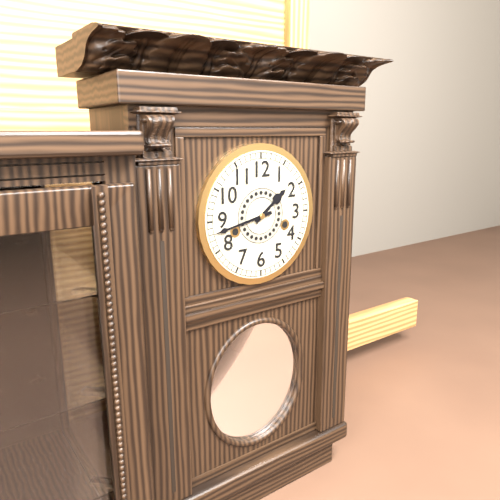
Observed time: 1:43
